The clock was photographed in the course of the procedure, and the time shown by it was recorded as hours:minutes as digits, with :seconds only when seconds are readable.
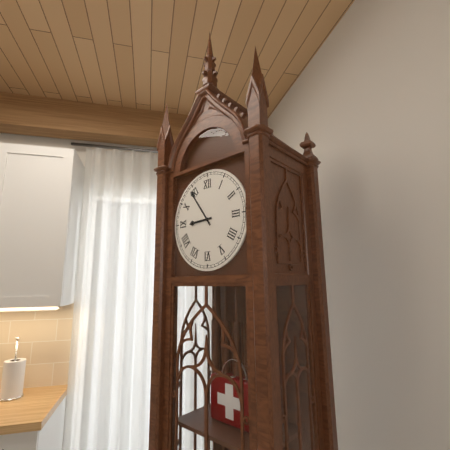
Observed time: 8:54
